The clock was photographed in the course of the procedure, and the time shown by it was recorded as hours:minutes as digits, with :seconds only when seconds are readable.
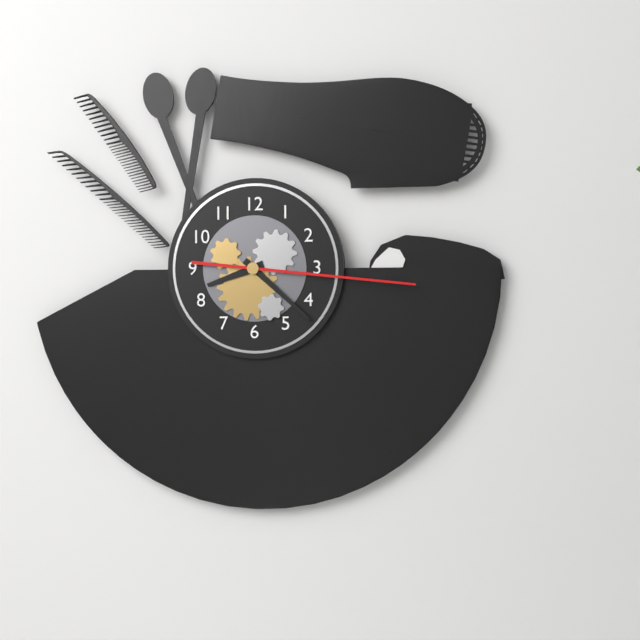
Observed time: 8:22:16
